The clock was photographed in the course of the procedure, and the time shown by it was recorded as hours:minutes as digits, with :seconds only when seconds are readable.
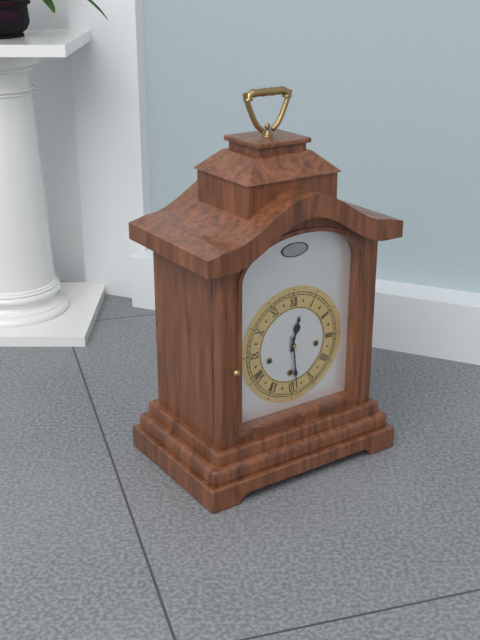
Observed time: 12:29
